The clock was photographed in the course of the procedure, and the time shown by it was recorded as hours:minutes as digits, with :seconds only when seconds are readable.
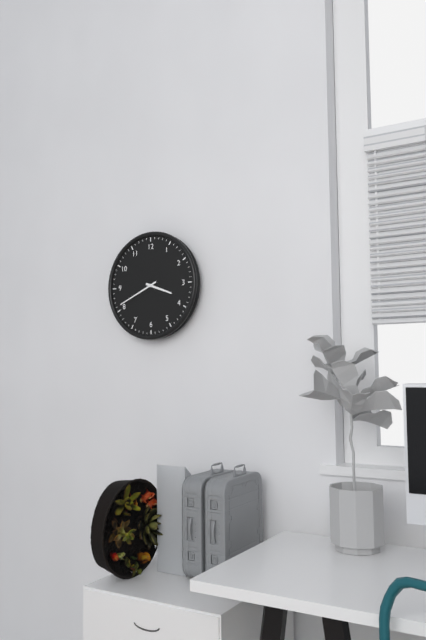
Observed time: 3:41
